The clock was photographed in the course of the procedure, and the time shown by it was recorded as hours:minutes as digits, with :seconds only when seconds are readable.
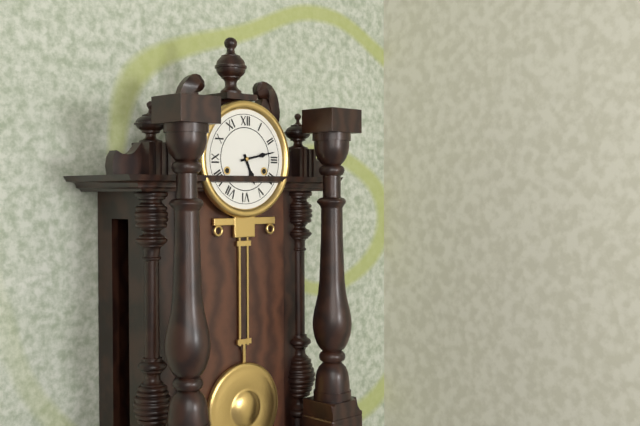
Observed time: 5:13
